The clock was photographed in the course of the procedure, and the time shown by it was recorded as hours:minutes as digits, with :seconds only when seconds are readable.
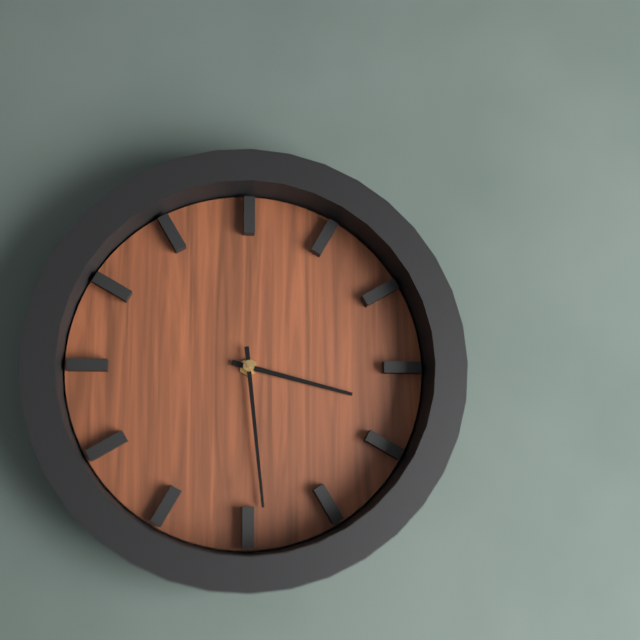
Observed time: 3:29
